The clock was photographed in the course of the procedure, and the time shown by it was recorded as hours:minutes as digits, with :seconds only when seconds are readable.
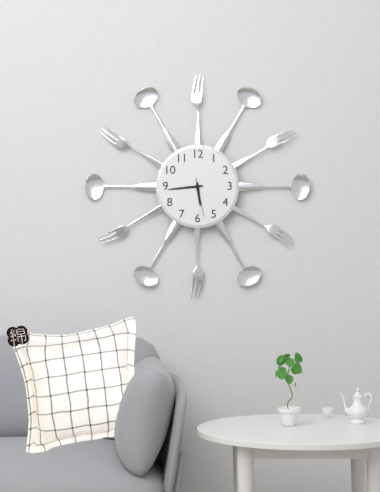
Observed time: 5:44
